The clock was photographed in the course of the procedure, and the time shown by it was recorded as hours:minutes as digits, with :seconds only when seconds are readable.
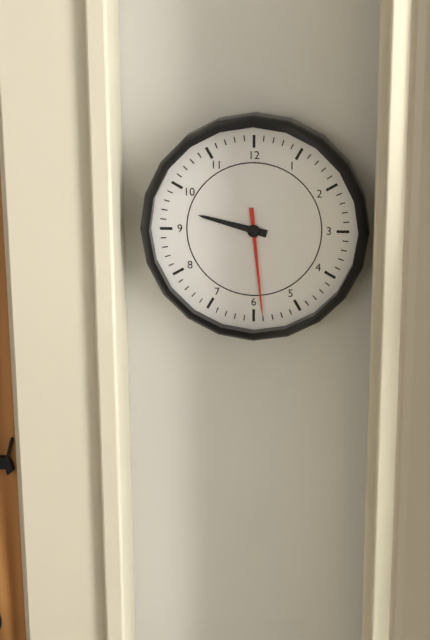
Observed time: 9:29
